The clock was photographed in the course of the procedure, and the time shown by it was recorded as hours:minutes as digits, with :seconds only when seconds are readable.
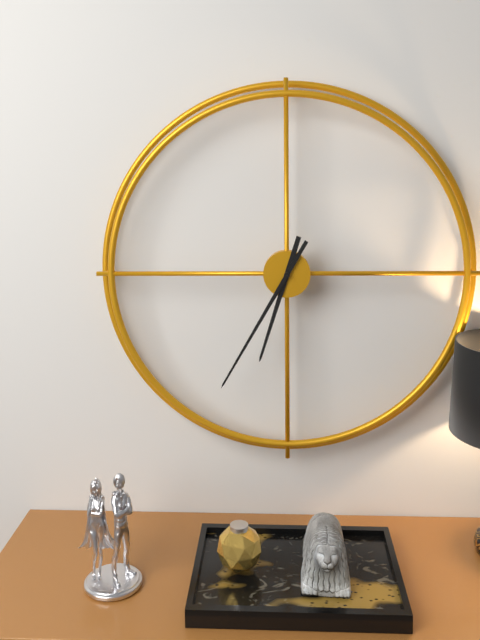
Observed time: 6:35
